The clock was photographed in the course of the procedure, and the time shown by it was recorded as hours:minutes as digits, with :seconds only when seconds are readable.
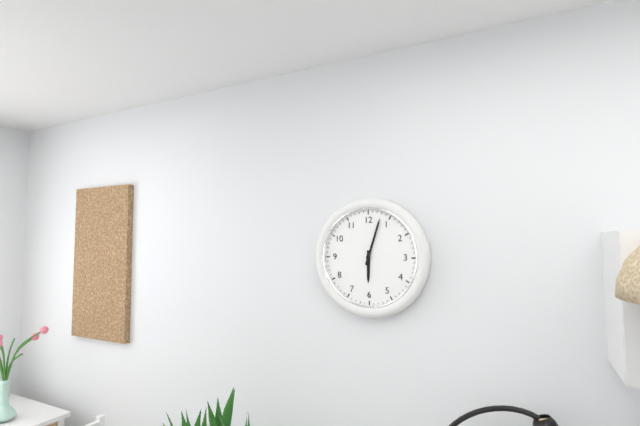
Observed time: 6:03
